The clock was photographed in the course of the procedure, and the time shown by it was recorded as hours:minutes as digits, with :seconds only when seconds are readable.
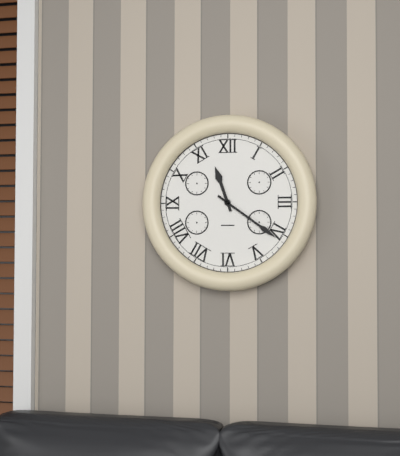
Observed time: 11:21
